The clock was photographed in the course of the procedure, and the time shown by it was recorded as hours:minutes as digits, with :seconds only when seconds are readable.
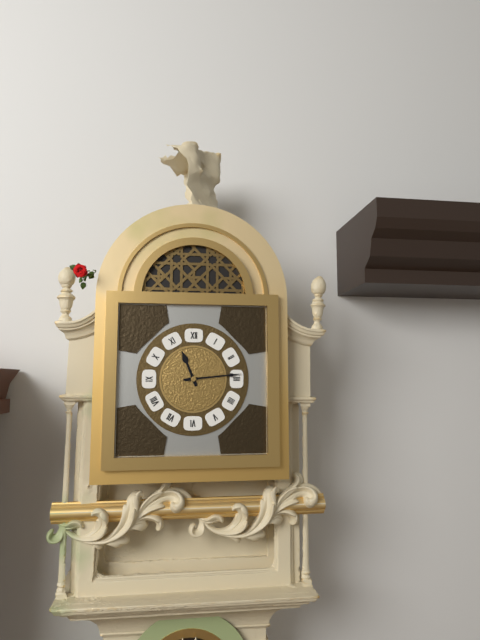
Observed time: 11:14
